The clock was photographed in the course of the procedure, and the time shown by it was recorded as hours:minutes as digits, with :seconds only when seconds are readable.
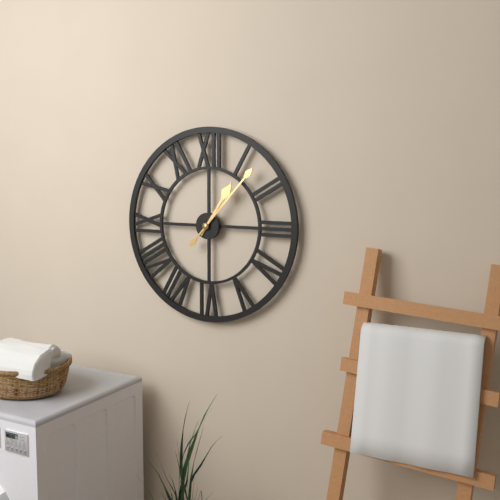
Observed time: 1:07
